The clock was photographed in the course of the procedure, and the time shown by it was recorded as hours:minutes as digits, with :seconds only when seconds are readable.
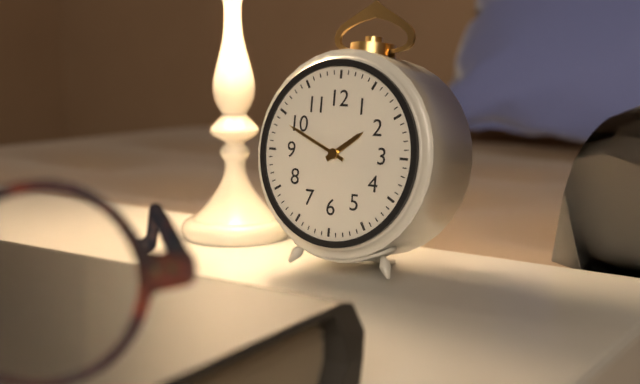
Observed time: 1:49
